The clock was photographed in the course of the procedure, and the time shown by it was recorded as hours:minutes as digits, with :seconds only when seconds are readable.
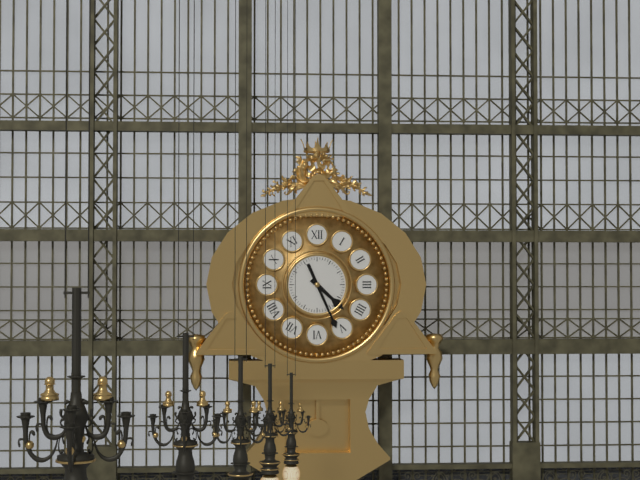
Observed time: 4:26
